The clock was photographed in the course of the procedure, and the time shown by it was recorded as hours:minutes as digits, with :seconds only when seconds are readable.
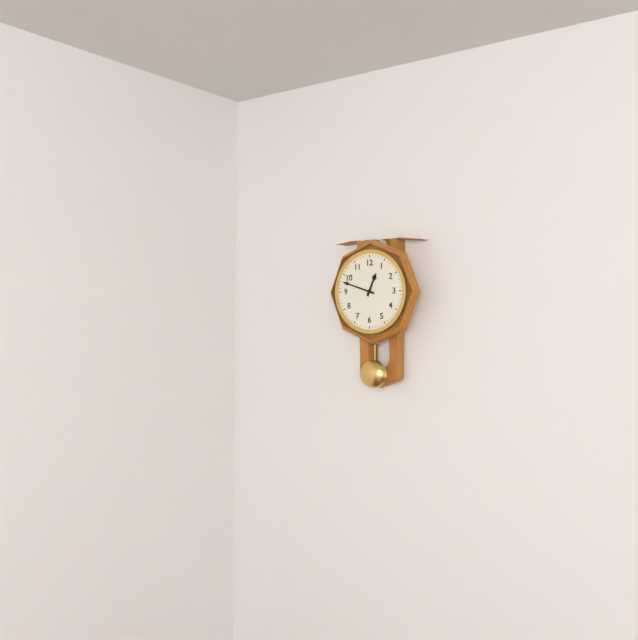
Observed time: 12:48
